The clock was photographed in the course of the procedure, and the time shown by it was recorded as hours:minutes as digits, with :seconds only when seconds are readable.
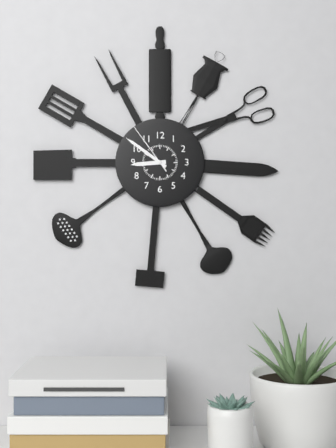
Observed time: 8:51:54
